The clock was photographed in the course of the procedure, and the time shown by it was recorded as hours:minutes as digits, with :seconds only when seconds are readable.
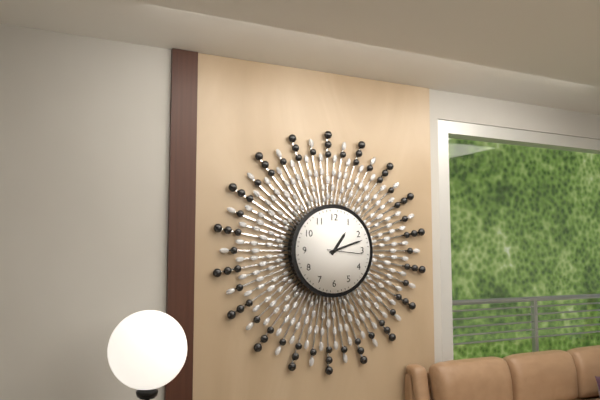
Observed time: 1:12
